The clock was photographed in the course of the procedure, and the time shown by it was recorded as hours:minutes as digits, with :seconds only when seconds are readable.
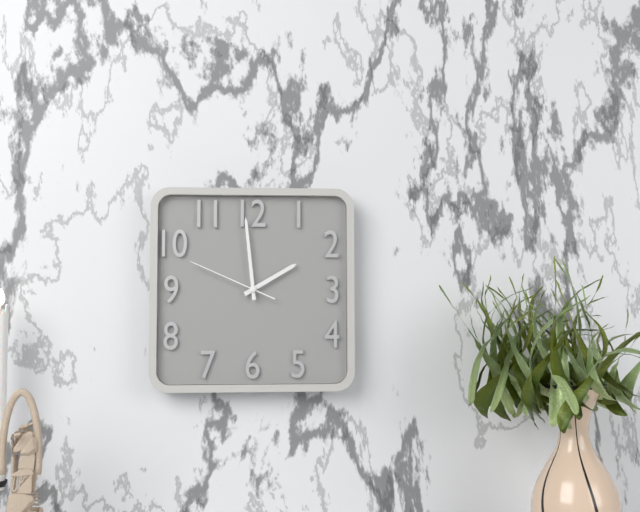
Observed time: 1:59:49
